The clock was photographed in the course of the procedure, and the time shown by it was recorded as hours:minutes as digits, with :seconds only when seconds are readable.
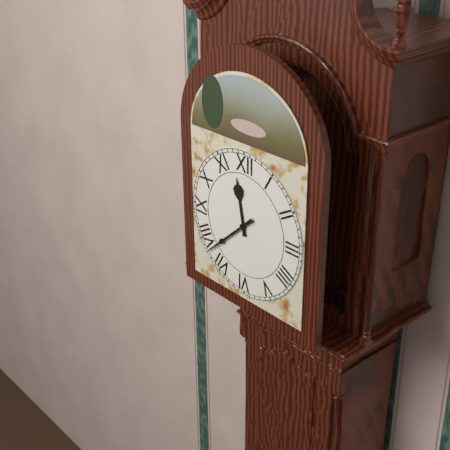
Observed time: 11:38
